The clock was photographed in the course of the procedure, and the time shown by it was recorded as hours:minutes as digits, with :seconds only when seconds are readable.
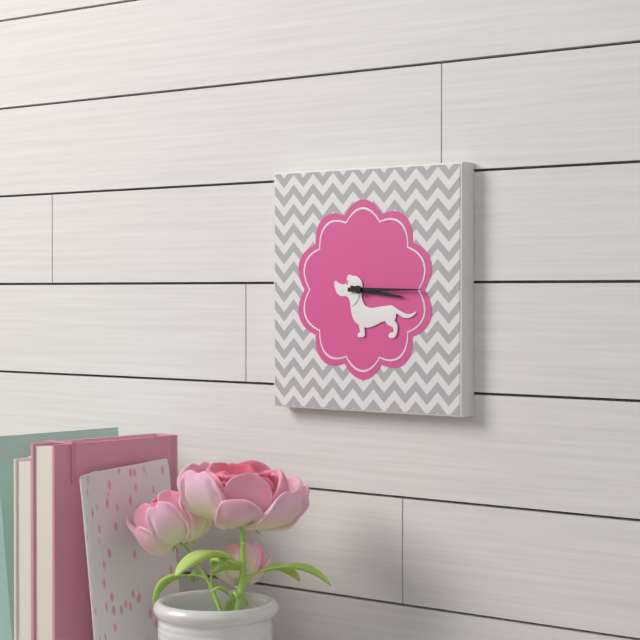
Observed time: 3:15
